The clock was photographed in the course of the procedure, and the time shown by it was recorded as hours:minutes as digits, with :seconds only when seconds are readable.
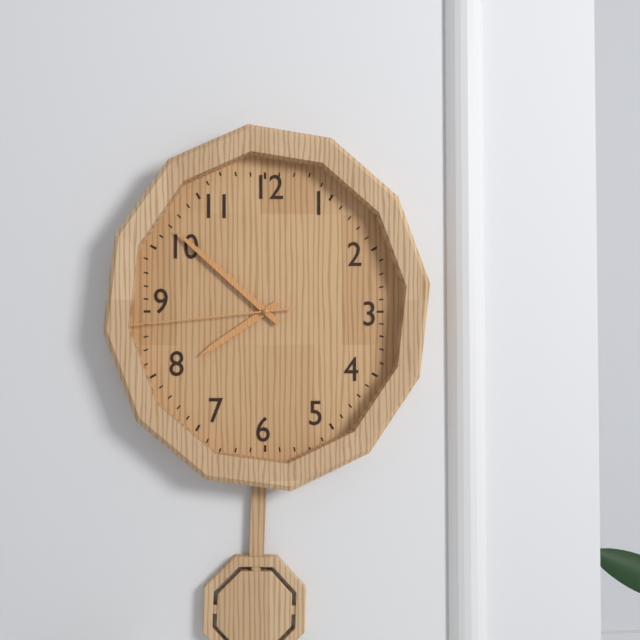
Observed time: 7:52:44
